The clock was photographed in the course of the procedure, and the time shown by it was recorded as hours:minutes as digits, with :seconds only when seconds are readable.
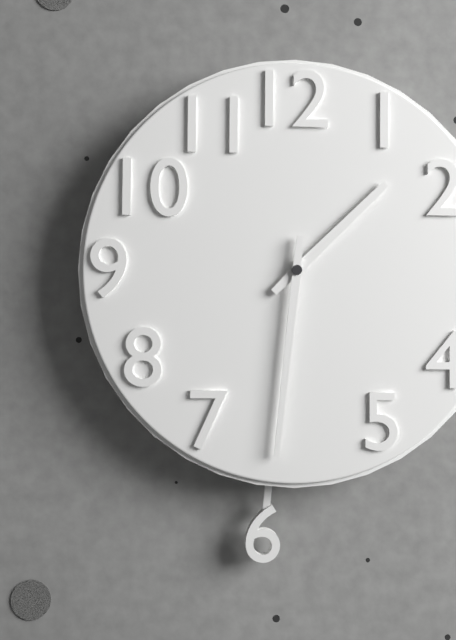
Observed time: 1:31
